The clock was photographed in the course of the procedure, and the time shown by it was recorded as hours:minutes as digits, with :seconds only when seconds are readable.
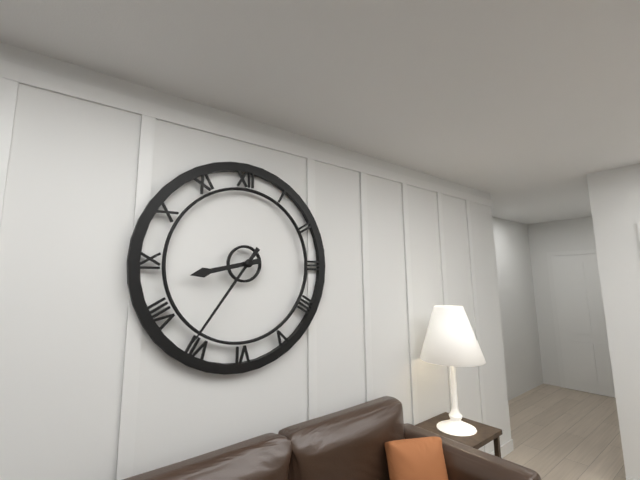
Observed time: 8:36
